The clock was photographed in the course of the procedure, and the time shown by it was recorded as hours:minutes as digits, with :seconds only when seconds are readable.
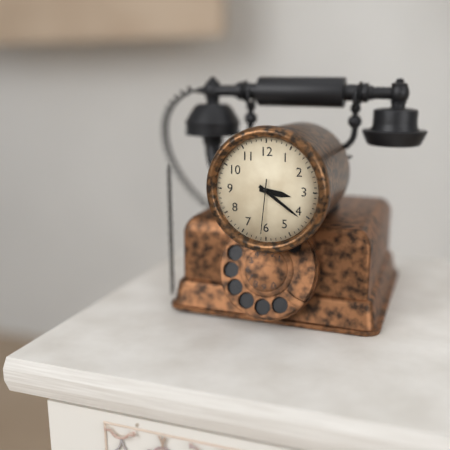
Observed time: 3:21:31
